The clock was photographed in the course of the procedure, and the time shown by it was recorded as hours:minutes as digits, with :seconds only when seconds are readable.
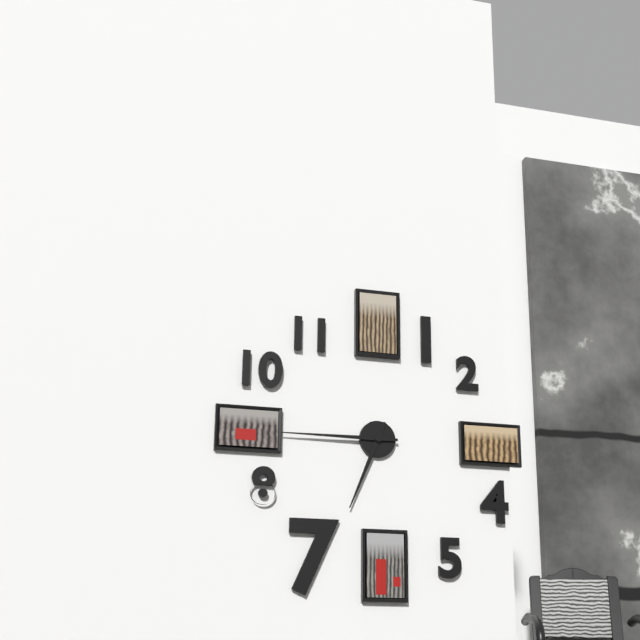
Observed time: 6:45
